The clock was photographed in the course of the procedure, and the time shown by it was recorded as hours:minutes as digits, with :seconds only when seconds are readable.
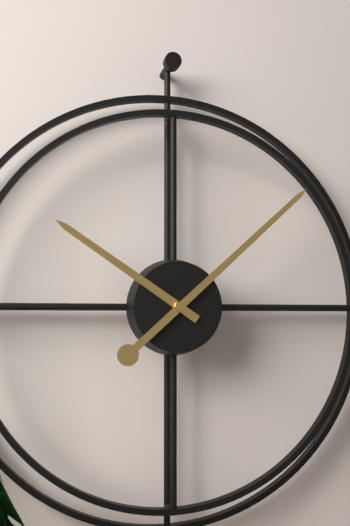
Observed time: 10:08
